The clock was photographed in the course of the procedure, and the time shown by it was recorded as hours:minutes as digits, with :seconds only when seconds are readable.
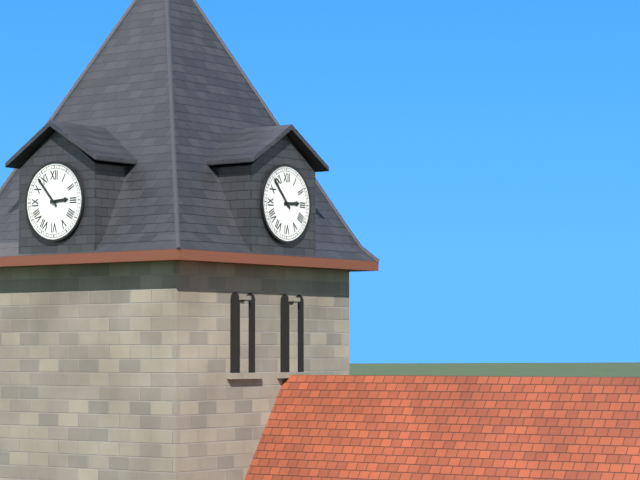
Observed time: 2:53
